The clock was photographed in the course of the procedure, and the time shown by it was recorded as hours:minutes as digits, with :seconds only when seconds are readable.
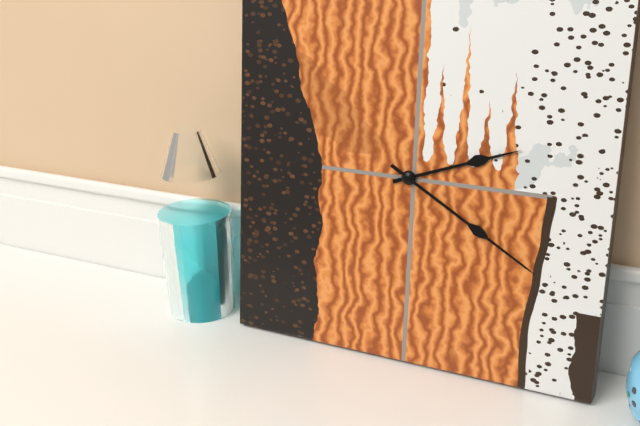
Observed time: 2:20
